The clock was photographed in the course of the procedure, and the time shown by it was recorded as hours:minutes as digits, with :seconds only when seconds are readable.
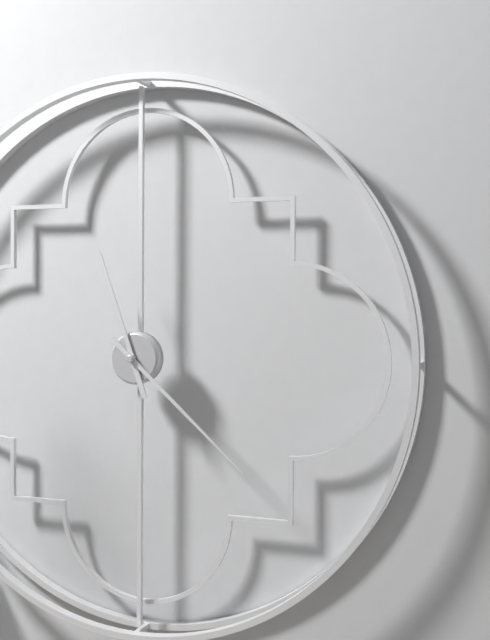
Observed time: 11:22
